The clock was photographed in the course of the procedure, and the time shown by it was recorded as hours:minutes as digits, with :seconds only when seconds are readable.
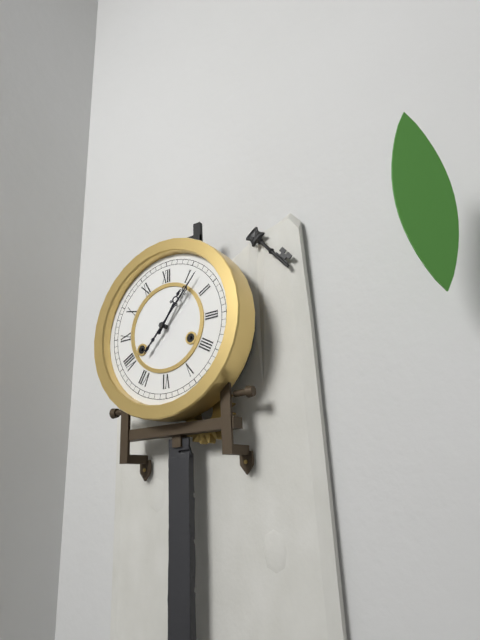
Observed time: 1:07
